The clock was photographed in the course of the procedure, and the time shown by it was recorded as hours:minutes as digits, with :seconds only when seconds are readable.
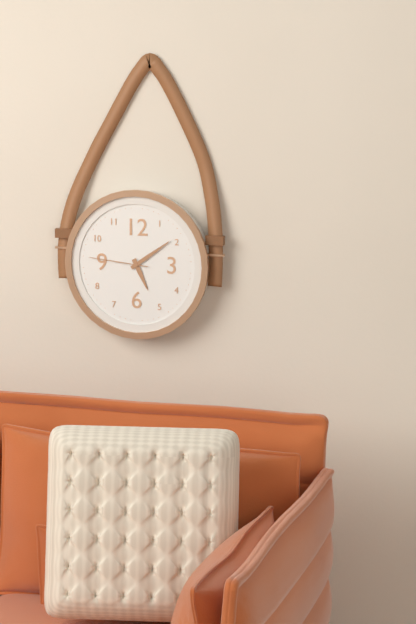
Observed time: 5:09:46
